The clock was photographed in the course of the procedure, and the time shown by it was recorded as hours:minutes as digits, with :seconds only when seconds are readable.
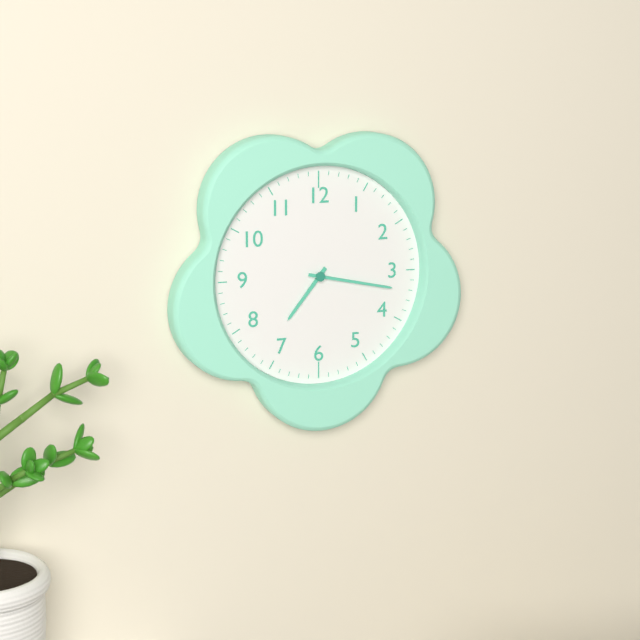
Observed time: 7:17
